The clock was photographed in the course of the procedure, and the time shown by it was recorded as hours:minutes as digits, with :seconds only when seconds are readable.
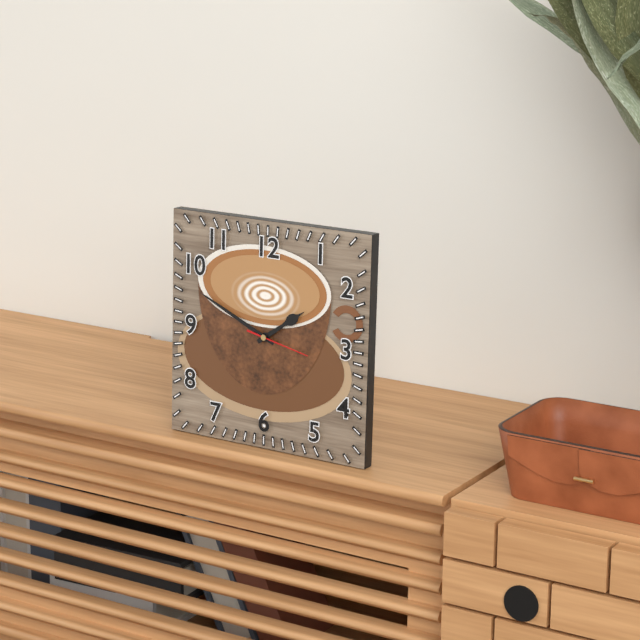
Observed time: 1:49:17
